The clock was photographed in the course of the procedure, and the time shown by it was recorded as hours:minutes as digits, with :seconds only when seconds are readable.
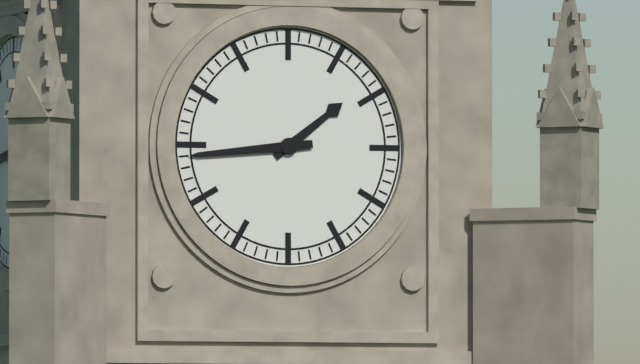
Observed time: 1:44
